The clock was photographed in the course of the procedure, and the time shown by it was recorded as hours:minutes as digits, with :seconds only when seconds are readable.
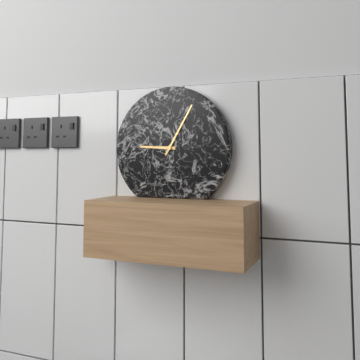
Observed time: 9:05
